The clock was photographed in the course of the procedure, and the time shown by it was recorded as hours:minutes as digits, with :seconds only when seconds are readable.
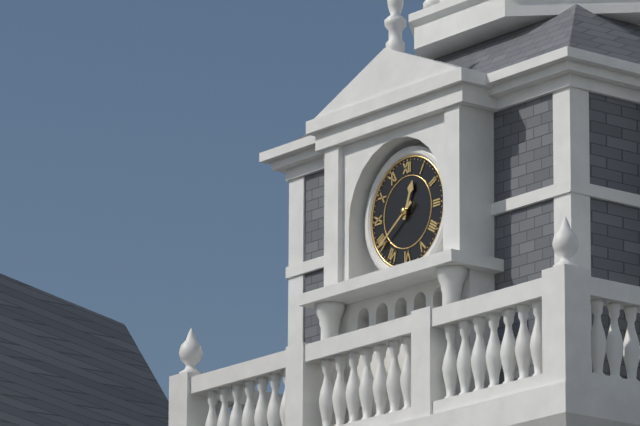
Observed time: 12:39
